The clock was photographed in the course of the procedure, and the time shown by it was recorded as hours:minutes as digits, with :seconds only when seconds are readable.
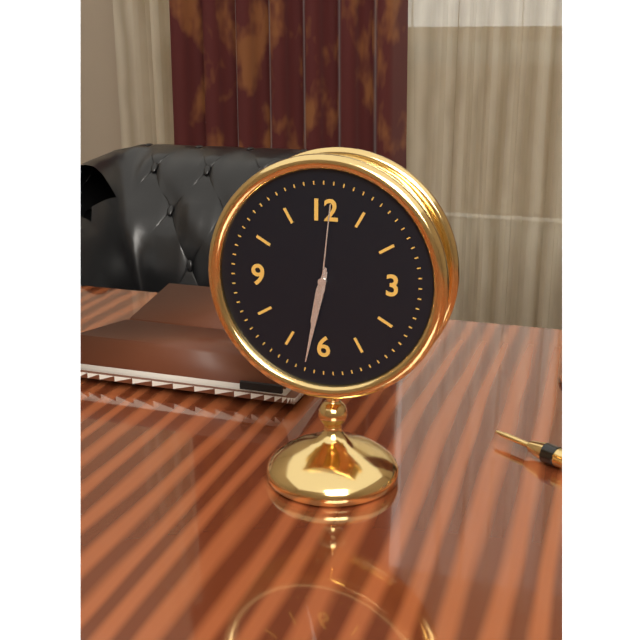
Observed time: 6:32:01
